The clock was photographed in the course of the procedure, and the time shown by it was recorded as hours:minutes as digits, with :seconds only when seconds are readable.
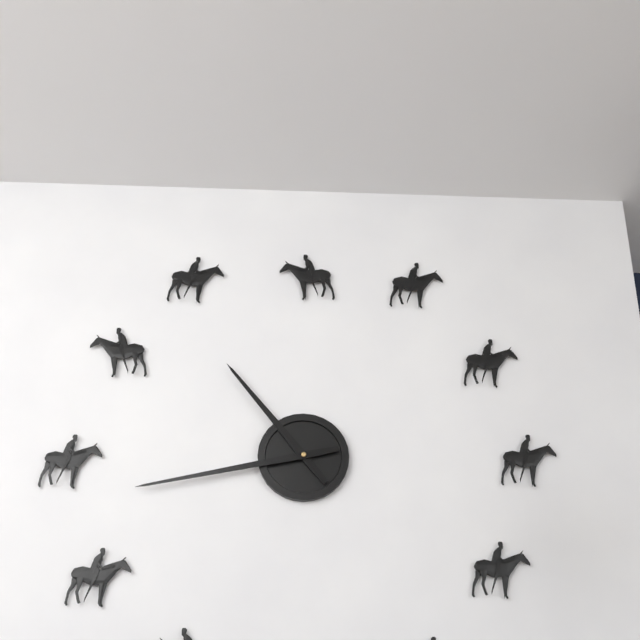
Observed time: 10:43
